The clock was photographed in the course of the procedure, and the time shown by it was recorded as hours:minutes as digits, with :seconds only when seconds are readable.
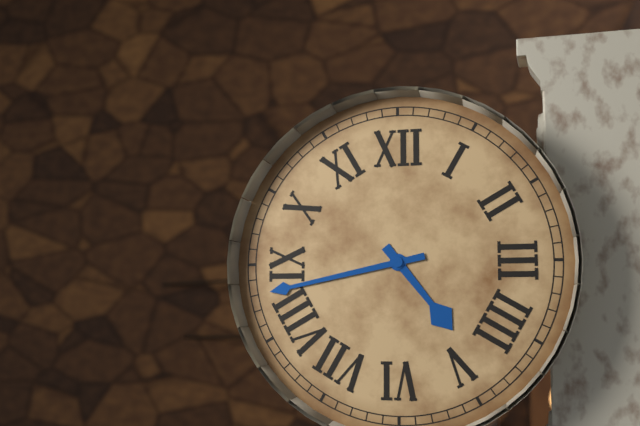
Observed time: 4:43
